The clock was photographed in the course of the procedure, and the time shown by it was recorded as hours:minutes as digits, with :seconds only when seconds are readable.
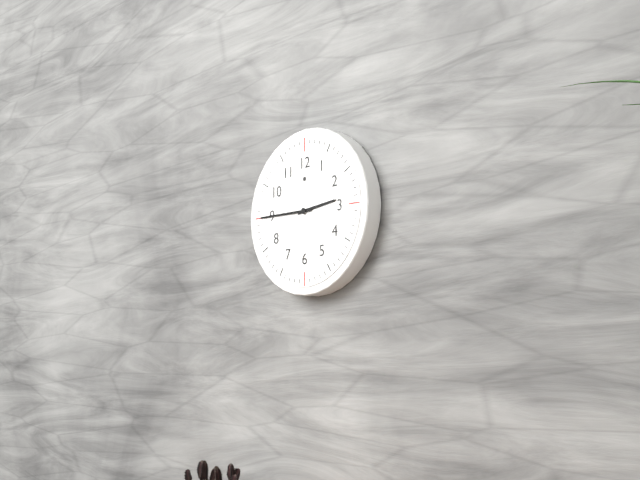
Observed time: 2:45
